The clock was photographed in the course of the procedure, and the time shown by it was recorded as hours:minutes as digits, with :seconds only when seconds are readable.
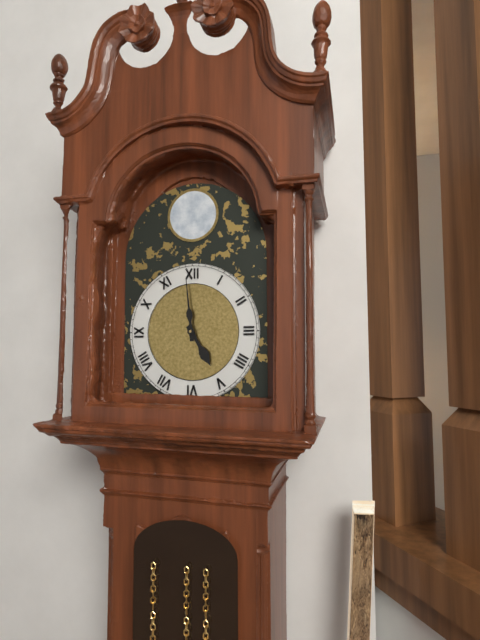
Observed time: 4:59
